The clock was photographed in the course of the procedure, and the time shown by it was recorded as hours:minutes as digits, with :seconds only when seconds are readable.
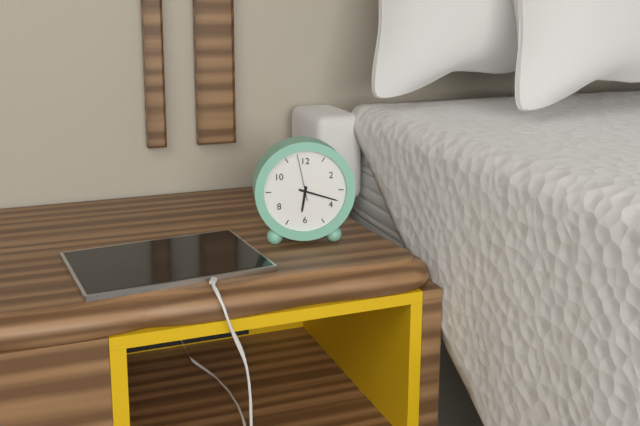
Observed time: 6:18
